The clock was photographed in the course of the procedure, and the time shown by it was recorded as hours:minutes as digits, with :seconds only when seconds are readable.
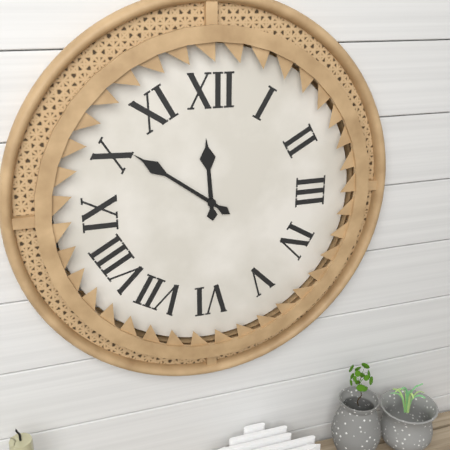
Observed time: 11:51
